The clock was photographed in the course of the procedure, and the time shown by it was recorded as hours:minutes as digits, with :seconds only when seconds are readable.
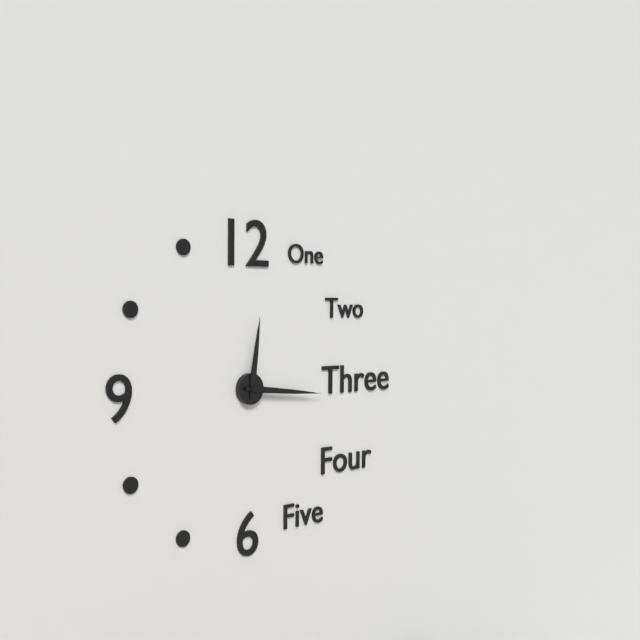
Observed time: 12:16
